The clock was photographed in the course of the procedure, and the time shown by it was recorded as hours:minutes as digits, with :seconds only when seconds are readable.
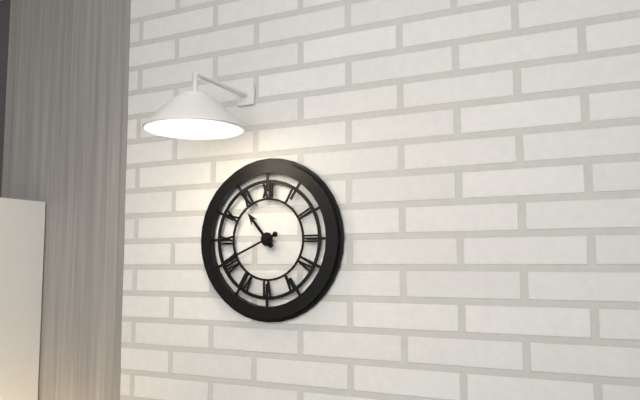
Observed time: 10:41
